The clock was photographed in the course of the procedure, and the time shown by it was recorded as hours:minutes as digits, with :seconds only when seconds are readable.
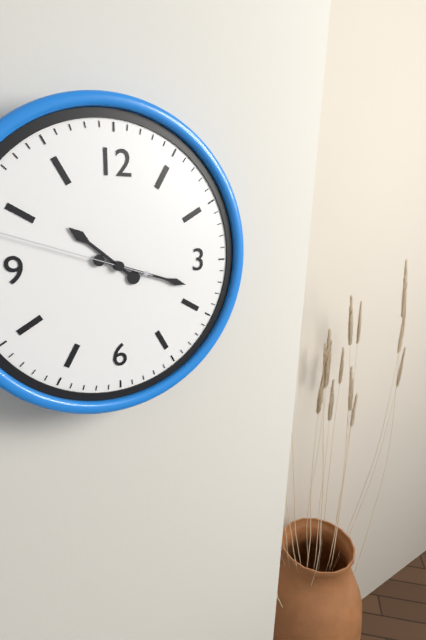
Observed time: 10:18
